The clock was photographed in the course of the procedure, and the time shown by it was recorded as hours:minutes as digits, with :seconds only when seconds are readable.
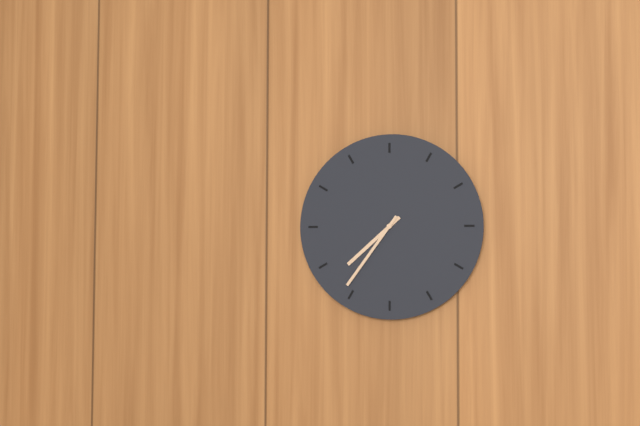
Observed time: 7:36
